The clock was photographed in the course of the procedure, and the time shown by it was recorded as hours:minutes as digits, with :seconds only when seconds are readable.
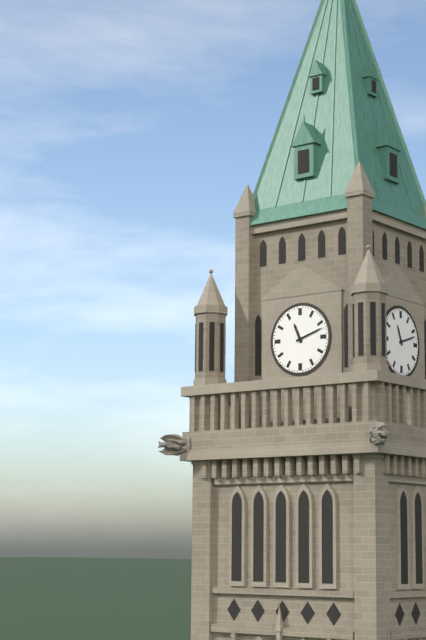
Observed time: 11:12
